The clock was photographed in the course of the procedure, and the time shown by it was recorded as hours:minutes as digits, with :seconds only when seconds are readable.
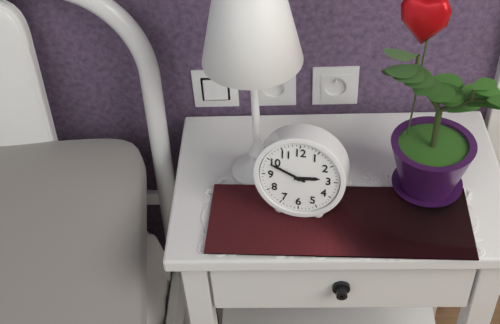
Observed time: 2:49
